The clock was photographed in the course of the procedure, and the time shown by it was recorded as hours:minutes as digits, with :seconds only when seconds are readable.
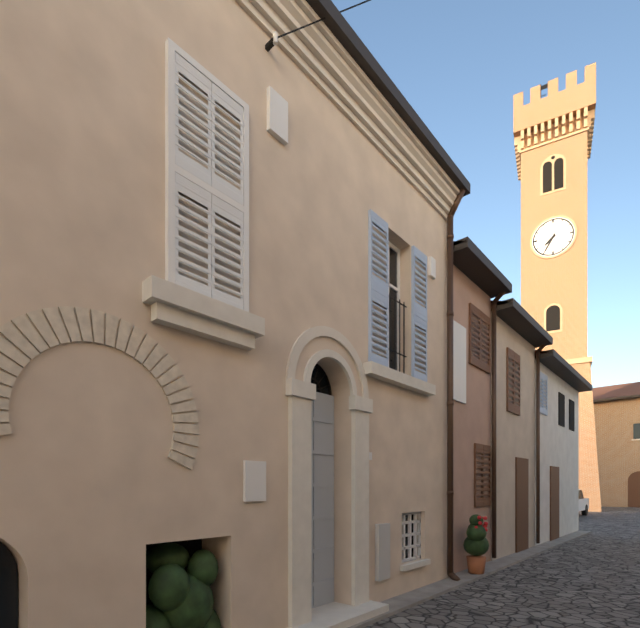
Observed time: 7:35
